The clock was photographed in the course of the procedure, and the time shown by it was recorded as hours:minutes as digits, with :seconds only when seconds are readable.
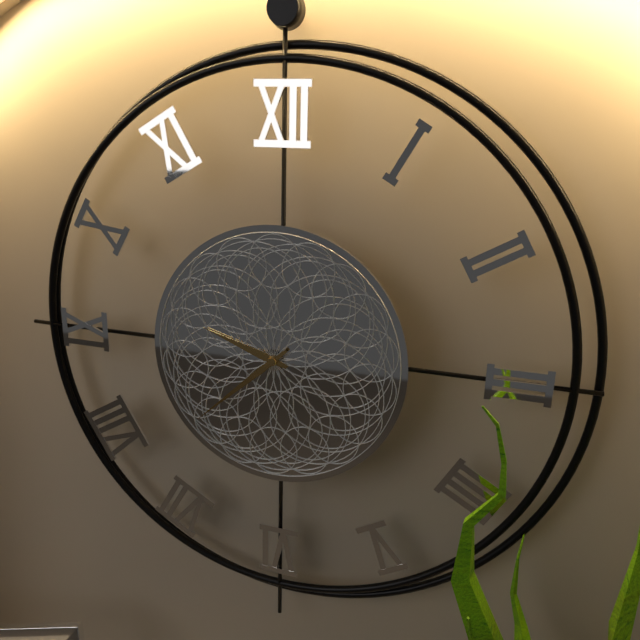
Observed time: 9:38
